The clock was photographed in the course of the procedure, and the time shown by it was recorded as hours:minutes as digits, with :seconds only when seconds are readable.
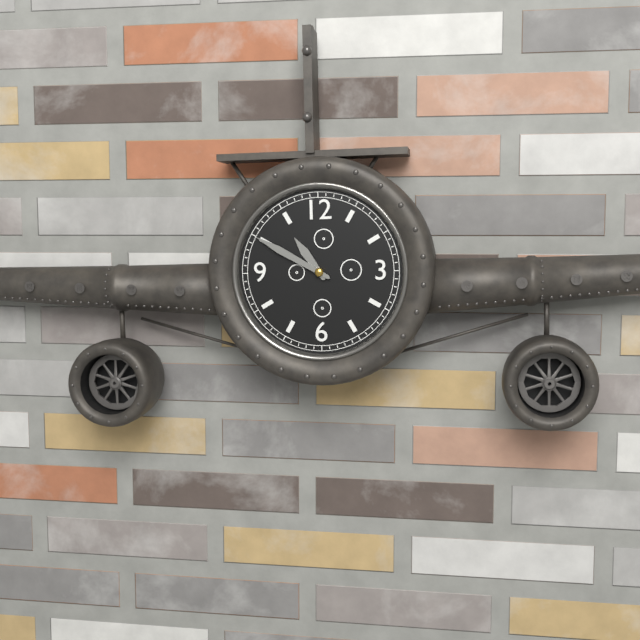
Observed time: 10:50
